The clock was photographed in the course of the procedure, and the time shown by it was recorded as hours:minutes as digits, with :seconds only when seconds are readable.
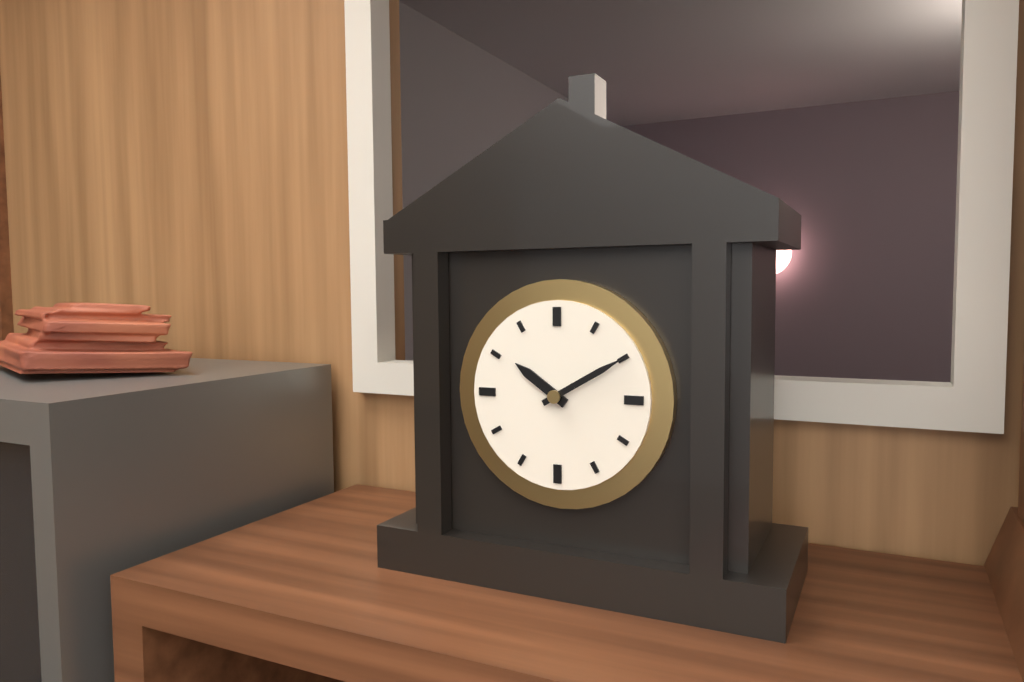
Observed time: 10:10
